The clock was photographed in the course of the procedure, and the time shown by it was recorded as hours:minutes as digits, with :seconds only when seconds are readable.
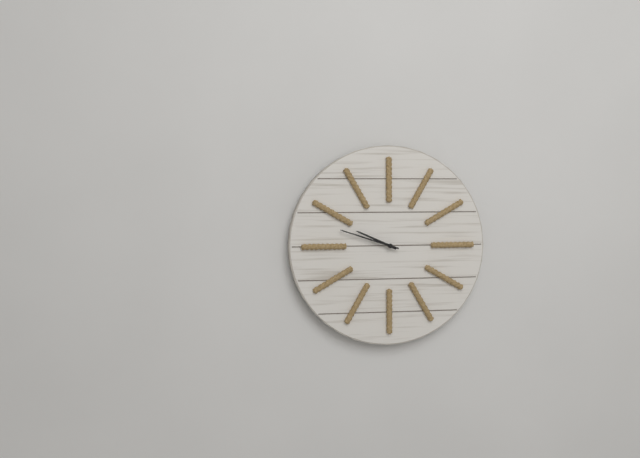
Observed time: 9:48
